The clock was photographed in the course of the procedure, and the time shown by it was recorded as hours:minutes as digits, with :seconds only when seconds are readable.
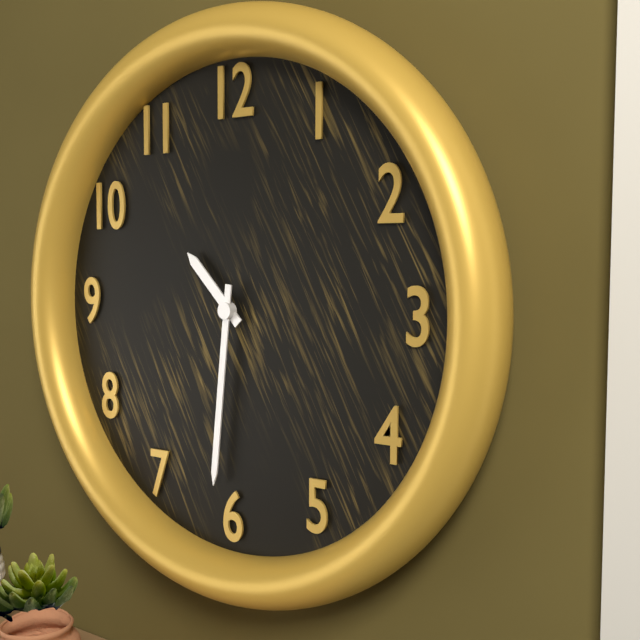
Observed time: 10:31
